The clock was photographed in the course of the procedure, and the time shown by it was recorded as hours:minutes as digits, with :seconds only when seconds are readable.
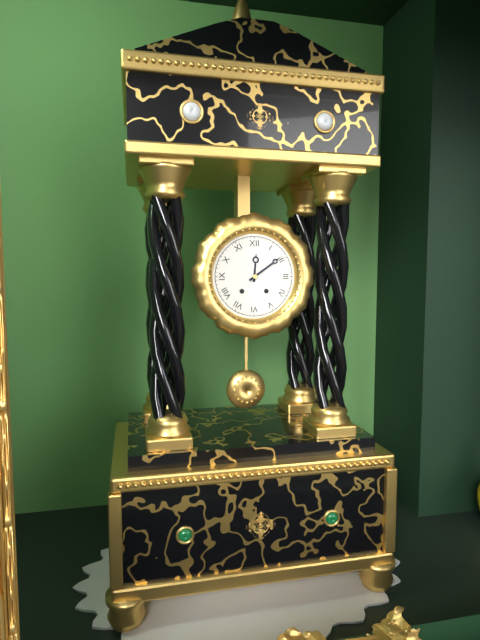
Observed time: 12:09
